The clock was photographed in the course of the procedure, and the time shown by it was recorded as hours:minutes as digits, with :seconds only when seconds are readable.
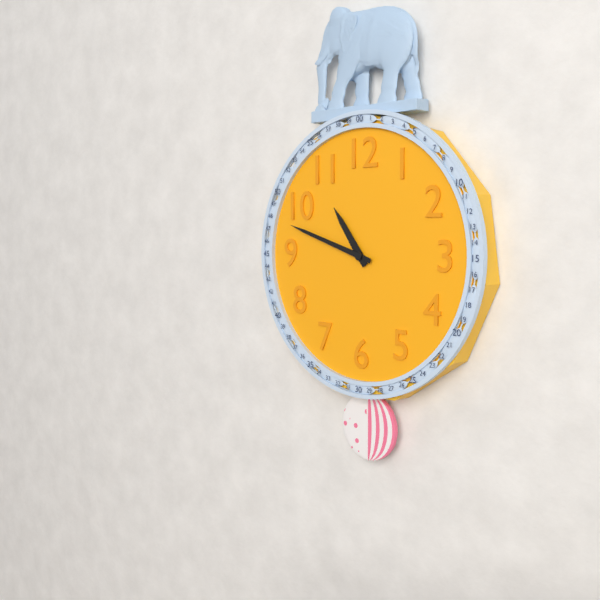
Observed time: 10:48
